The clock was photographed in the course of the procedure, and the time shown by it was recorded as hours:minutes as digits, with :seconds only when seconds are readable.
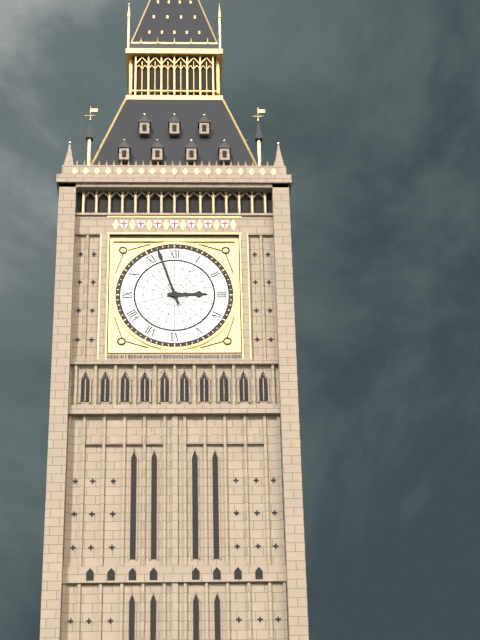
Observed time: 2:57
